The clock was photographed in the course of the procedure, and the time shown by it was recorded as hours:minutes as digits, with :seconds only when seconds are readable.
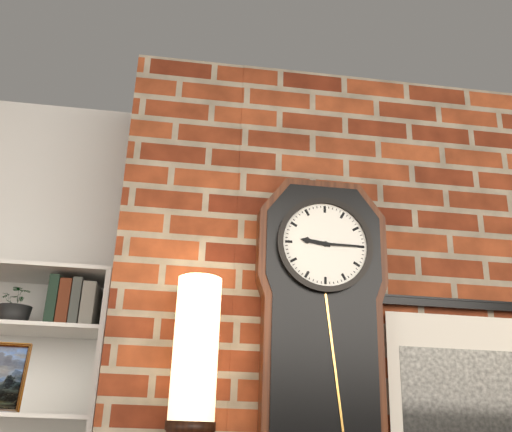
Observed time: 9:15
